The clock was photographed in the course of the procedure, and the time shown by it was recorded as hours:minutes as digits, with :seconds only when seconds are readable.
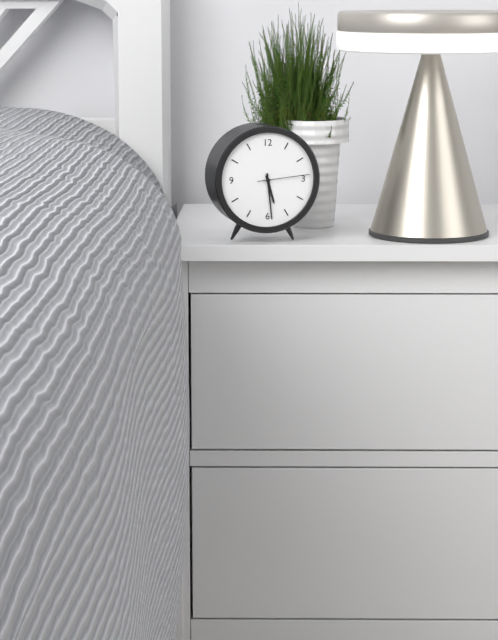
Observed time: 5:29:14
